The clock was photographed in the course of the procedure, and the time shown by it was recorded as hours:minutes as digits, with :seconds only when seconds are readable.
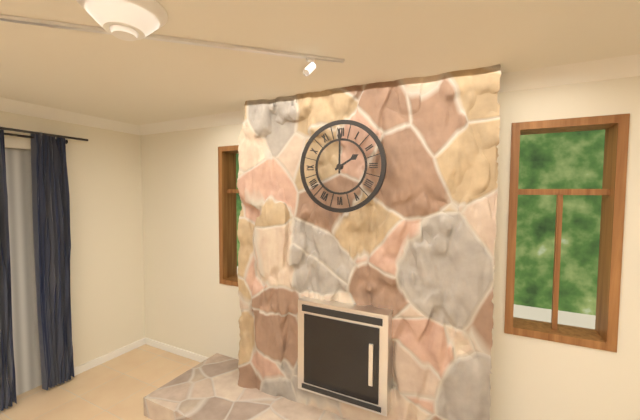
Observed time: 2:00
